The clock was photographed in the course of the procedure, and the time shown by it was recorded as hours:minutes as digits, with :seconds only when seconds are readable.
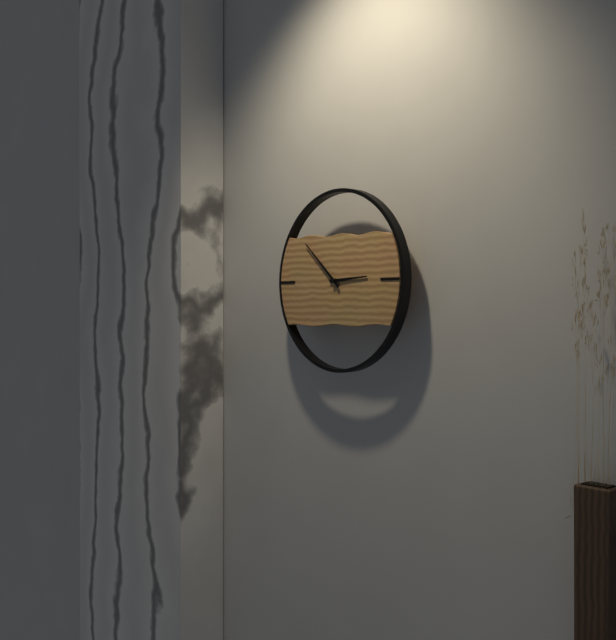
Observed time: 2:52
